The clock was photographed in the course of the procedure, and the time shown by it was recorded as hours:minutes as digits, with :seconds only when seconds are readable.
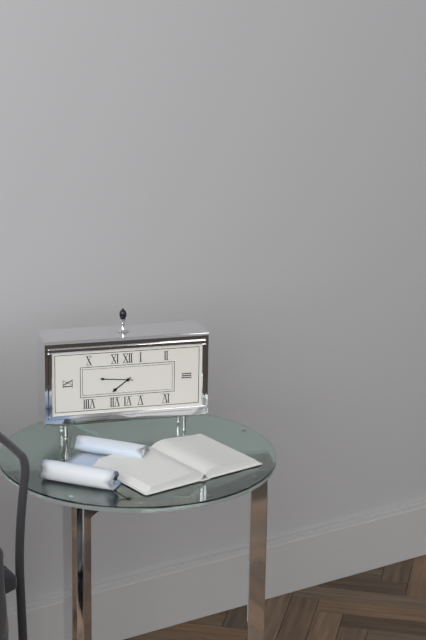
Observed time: 7:46
